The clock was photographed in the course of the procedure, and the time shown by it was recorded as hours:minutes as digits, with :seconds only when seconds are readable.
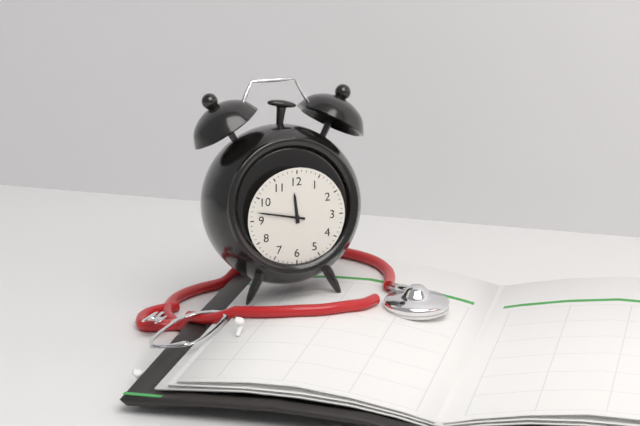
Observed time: 11:47
